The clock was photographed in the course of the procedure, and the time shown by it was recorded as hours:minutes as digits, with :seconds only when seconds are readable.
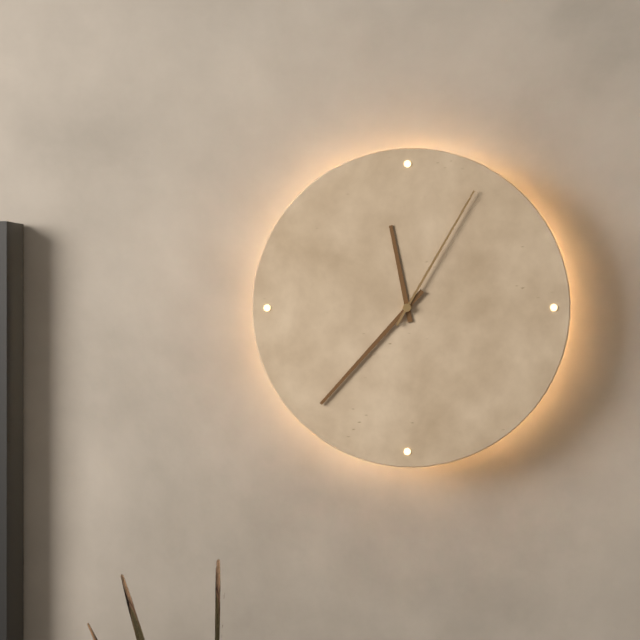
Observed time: 11:37:05
